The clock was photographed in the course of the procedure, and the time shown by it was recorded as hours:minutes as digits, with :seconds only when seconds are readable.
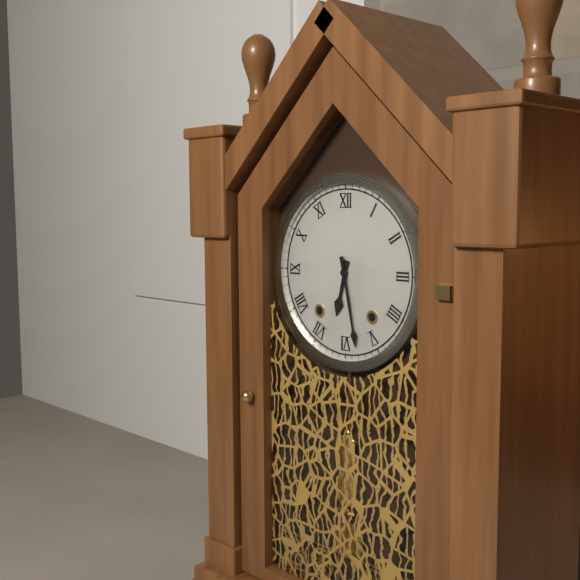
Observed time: 6:28
